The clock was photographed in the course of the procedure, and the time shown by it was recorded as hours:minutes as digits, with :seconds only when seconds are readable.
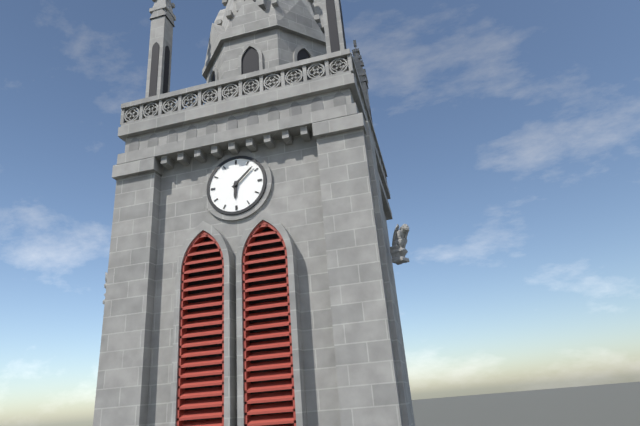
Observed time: 6:08
